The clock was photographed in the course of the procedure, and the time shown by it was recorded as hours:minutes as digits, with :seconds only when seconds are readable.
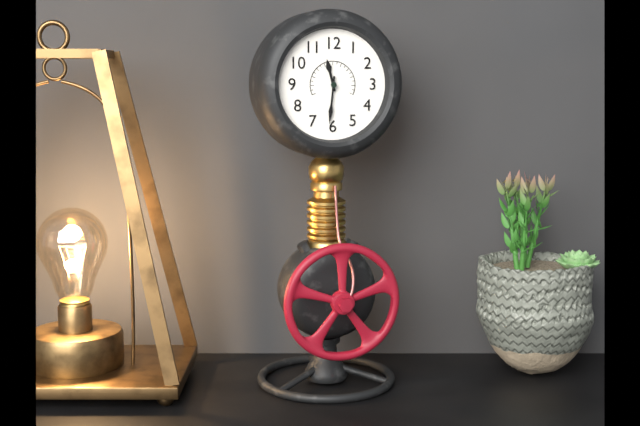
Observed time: 11:31
